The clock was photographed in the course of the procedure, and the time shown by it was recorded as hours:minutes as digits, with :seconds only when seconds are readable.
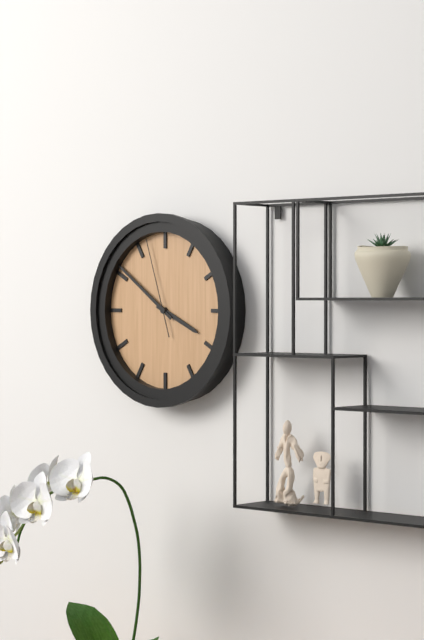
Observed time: 3:51:57
